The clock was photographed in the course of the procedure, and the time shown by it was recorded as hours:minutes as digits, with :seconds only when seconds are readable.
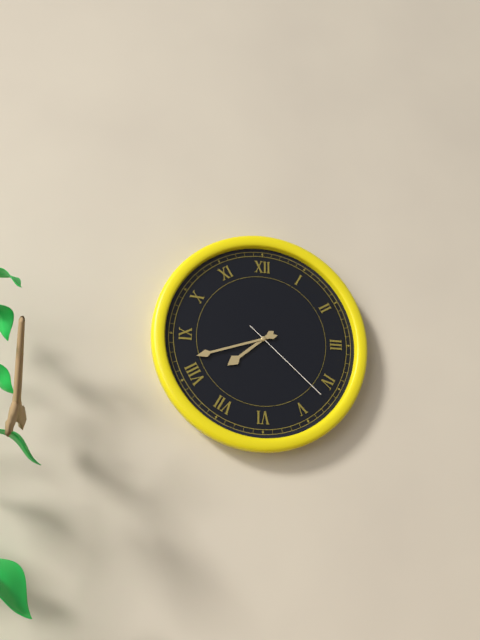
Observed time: 7:42:22
